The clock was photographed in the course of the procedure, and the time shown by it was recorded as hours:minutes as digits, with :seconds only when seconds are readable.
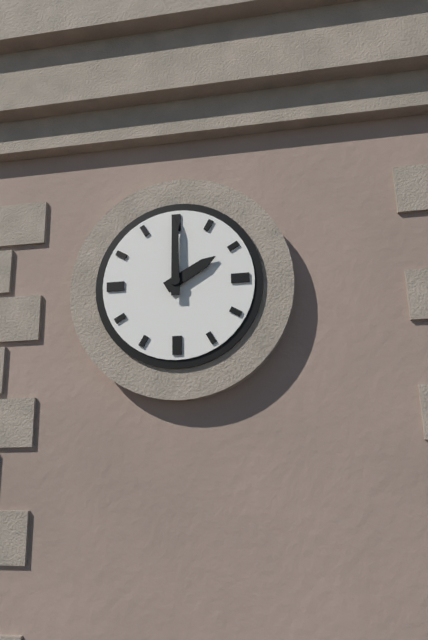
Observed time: 2:00
